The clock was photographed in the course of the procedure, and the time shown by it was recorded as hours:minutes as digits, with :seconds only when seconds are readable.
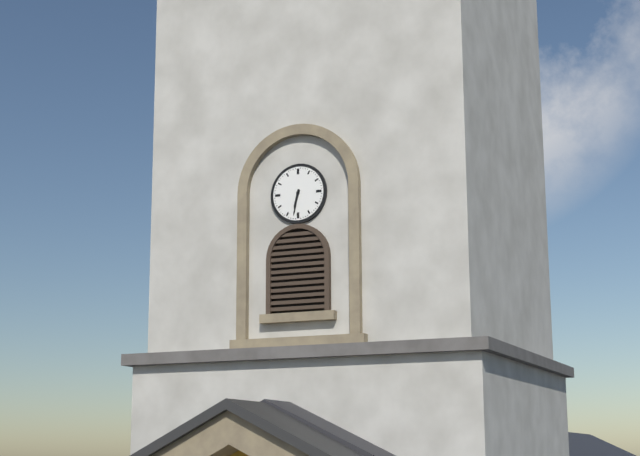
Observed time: 6:32
